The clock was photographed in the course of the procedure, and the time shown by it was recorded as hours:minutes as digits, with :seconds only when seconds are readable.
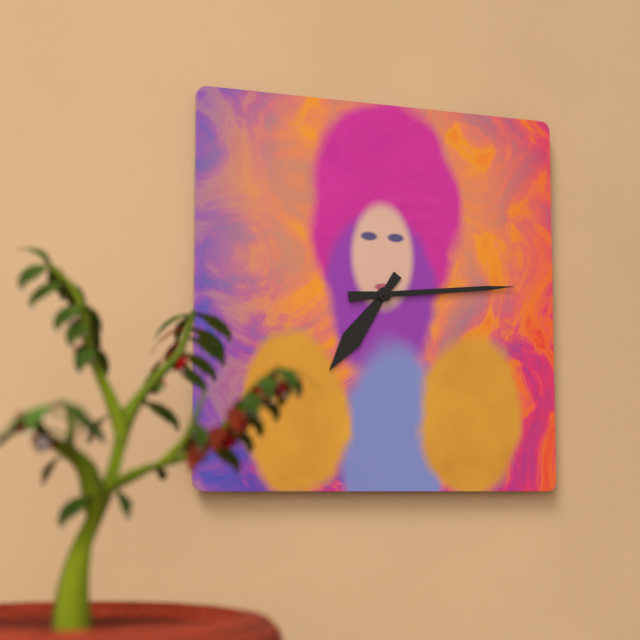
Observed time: 7:14
